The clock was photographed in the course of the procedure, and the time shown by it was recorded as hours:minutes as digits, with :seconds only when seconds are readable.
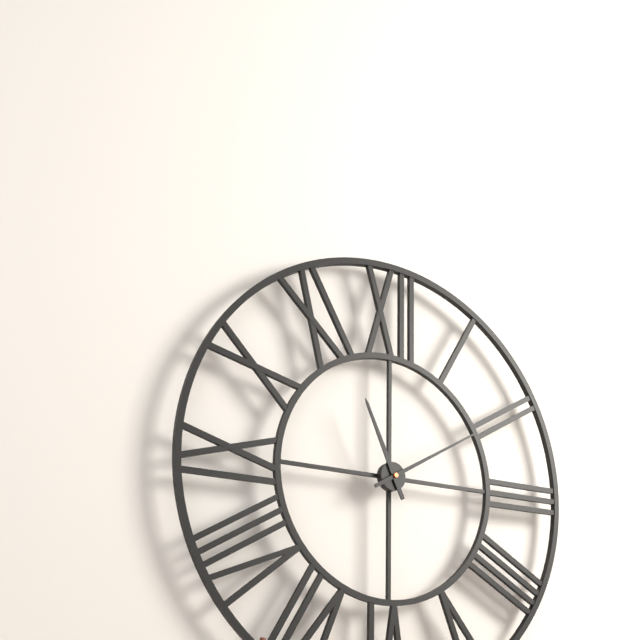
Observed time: 11:10
